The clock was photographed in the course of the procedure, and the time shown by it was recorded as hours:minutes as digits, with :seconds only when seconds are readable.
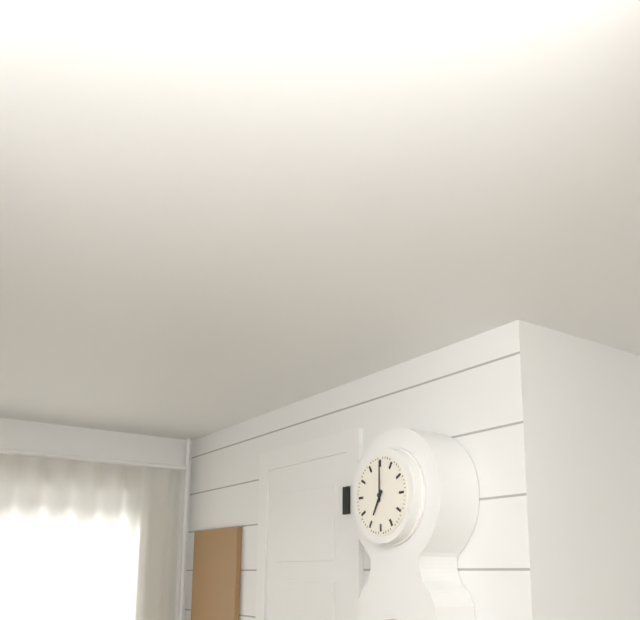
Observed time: 7:00
